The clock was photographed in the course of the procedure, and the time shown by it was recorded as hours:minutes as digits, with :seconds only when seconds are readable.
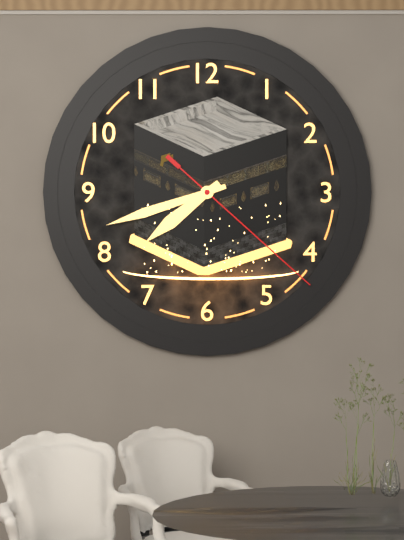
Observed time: 7:42:22
